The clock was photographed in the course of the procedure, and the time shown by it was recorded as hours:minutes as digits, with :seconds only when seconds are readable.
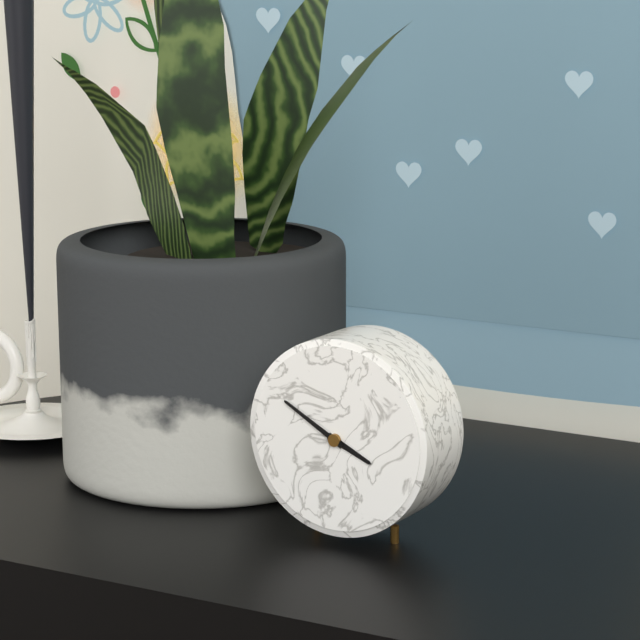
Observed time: 3:50
